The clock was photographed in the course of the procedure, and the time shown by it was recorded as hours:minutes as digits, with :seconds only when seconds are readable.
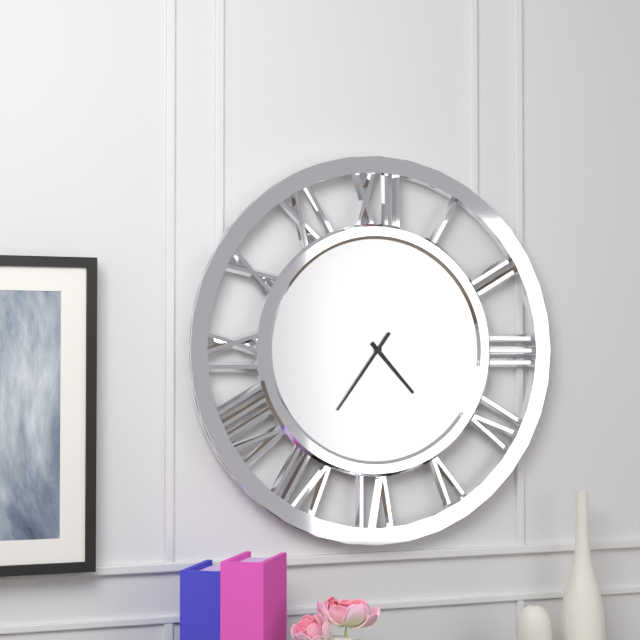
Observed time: 4:36
